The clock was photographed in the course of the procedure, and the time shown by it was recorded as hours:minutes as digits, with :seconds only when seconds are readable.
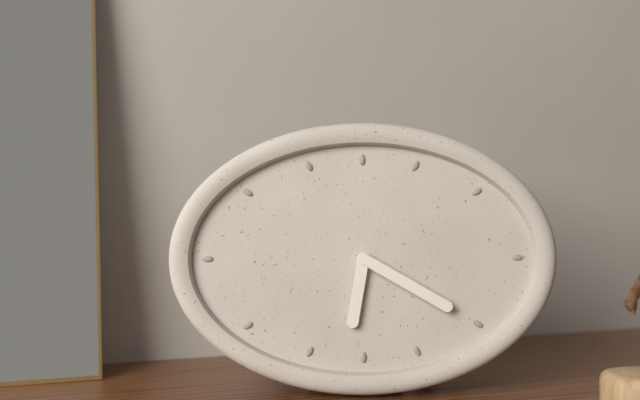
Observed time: 6:20
